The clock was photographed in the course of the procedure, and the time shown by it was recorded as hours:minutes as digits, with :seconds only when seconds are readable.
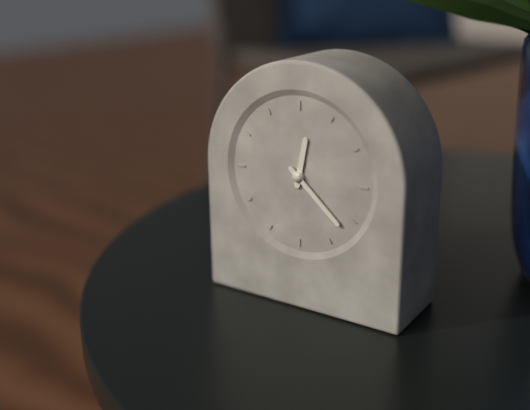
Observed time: 12:22
